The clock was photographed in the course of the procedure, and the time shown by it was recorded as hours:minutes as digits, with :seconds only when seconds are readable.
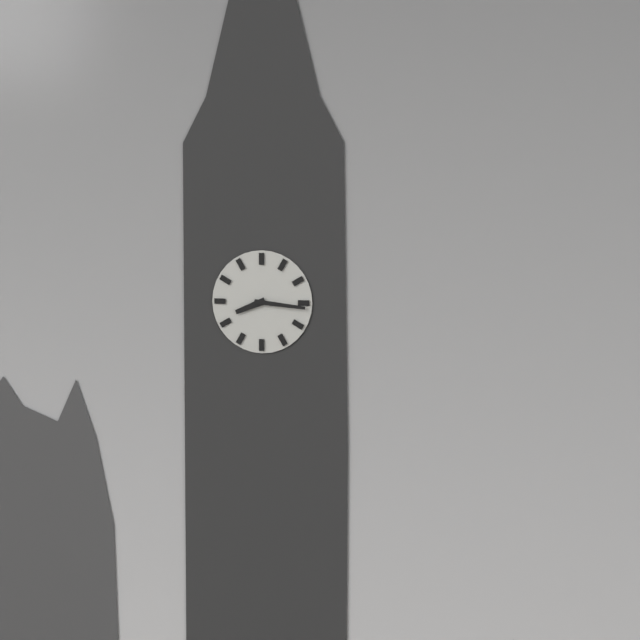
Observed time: 8:16
